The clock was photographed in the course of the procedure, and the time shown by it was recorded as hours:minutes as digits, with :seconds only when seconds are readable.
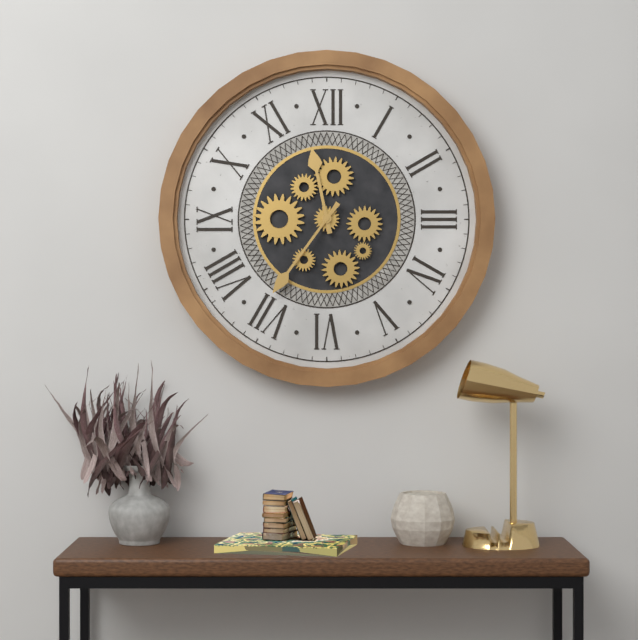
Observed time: 11:36
